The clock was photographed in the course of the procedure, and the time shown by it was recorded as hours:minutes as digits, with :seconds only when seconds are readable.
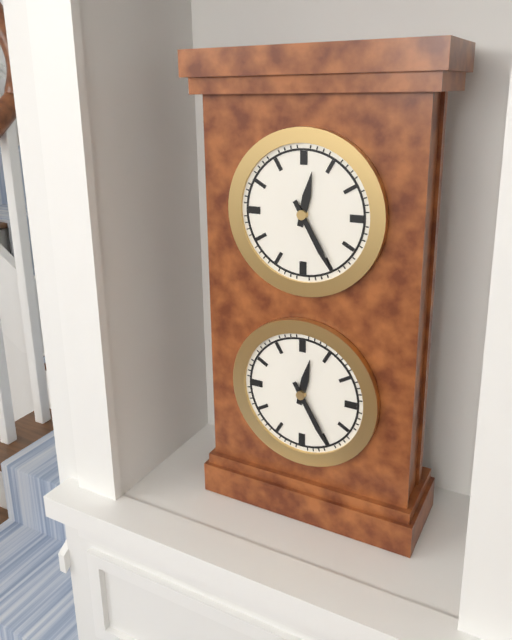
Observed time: 12:25
